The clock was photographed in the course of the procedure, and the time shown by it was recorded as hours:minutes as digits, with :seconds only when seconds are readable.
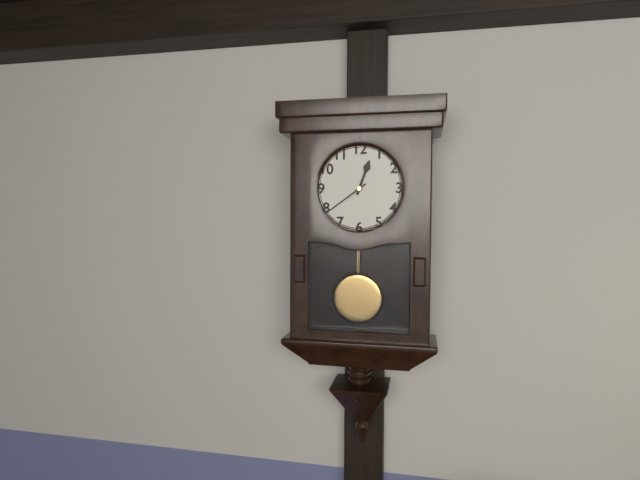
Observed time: 12:39
